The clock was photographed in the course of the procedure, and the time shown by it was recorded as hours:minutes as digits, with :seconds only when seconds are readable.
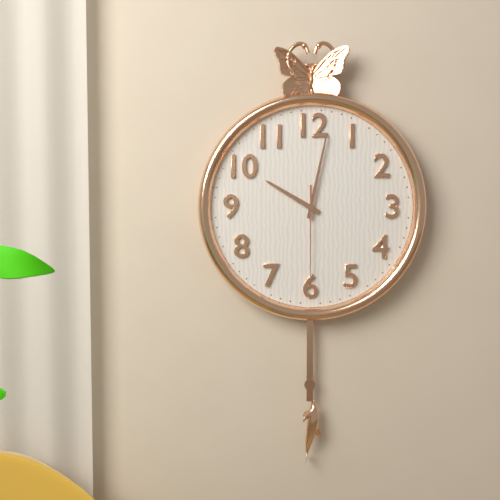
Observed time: 10:02:30
